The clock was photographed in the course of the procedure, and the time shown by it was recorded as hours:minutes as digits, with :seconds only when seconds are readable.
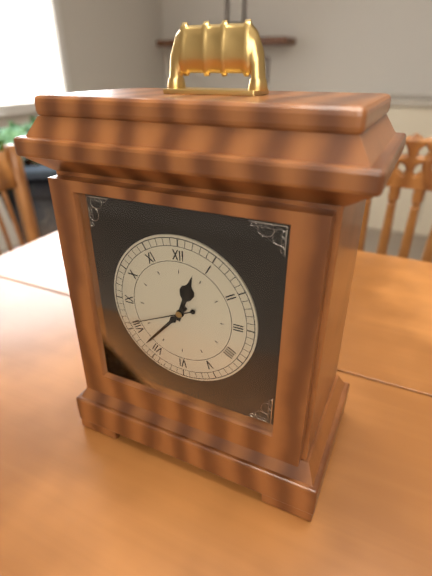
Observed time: 12:37:41
